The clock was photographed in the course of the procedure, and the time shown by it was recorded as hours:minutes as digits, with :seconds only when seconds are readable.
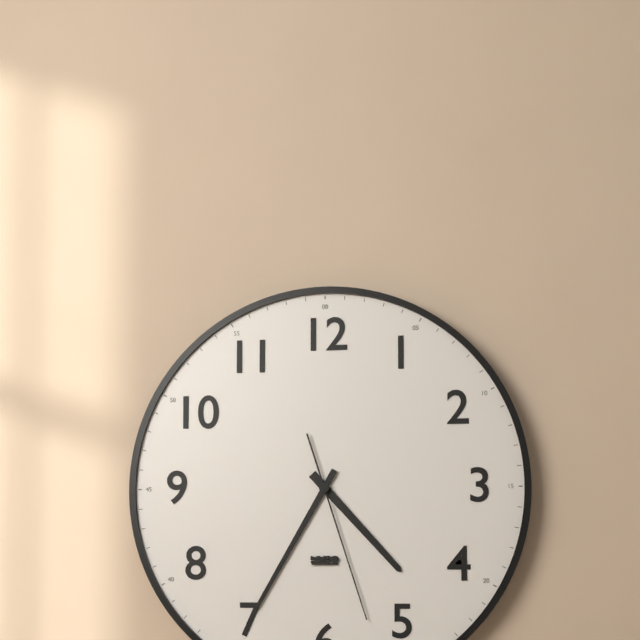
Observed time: 4:35:27
